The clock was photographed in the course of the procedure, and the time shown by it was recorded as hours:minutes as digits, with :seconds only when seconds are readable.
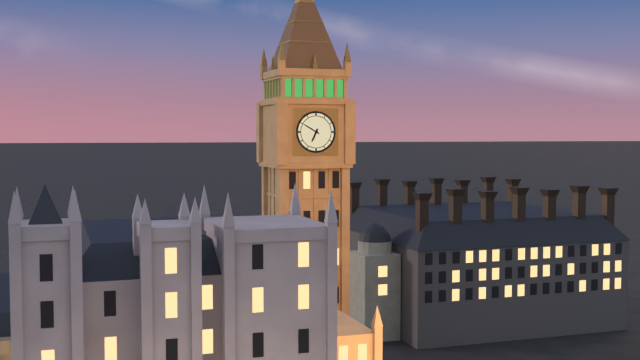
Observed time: 6:50
